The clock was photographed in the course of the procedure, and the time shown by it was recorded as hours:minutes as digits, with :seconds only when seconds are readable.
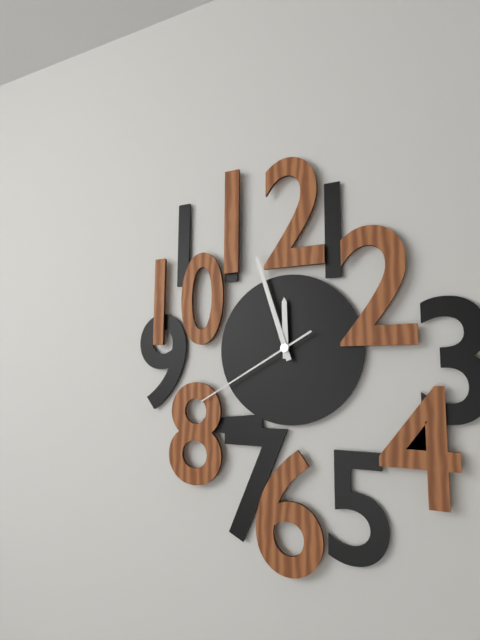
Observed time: 11:57:40
